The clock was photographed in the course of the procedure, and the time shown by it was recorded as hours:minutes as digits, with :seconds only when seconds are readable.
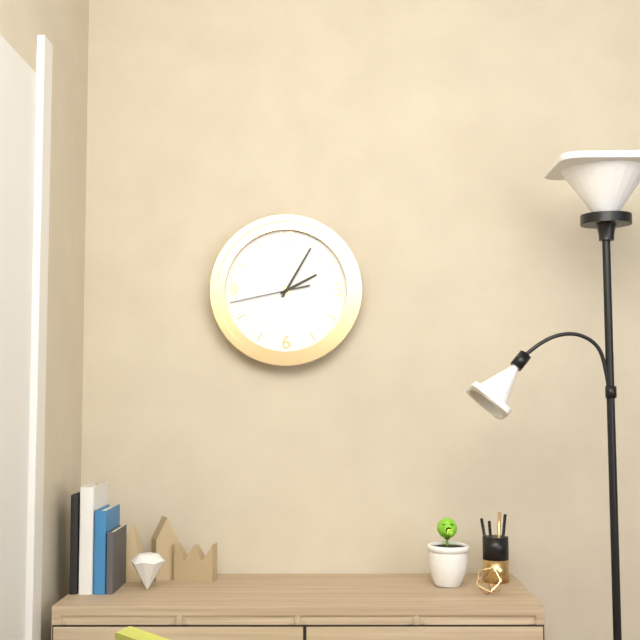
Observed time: 2:05:43
